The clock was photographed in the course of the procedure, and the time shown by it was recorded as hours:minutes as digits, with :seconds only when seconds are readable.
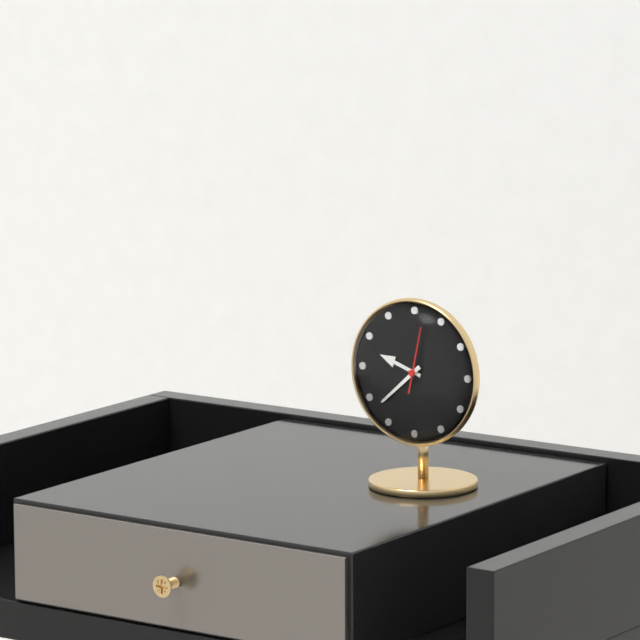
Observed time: 9:38:02
